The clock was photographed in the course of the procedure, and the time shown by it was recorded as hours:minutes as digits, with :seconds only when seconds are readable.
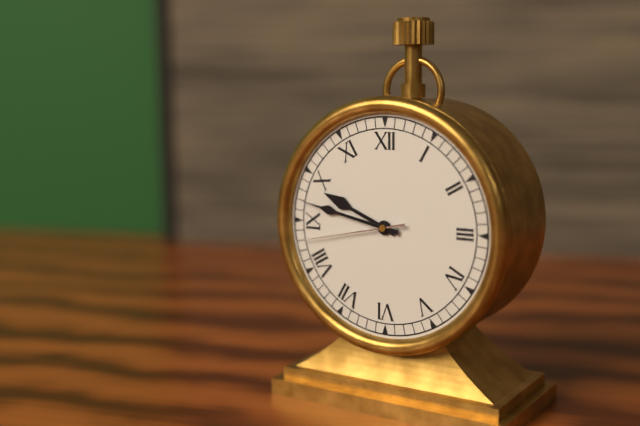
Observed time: 9:47:43
